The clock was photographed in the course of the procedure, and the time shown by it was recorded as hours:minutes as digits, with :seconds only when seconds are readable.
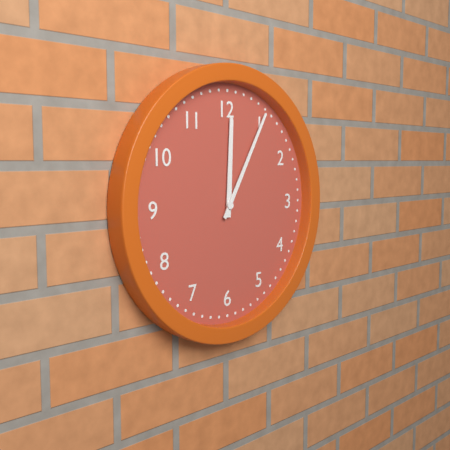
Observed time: 12:05
